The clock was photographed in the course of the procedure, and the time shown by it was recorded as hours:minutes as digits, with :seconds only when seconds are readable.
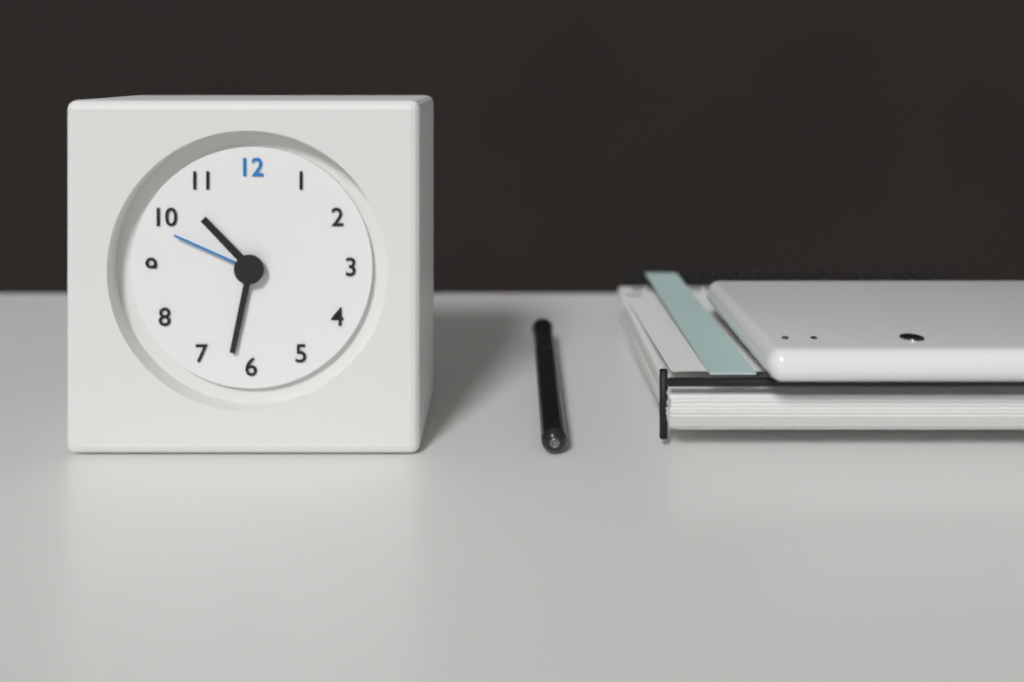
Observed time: 10:32:49
